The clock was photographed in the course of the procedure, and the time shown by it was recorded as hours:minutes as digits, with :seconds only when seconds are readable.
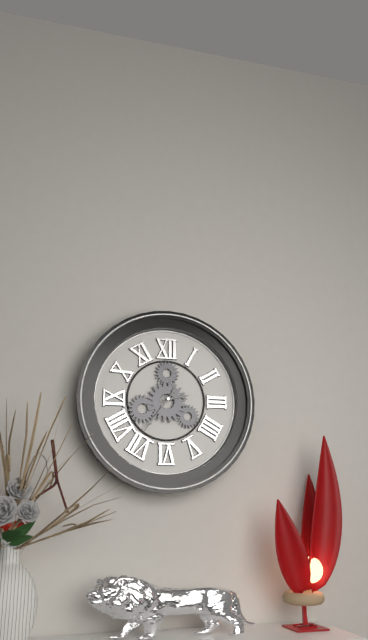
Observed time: 2:36
